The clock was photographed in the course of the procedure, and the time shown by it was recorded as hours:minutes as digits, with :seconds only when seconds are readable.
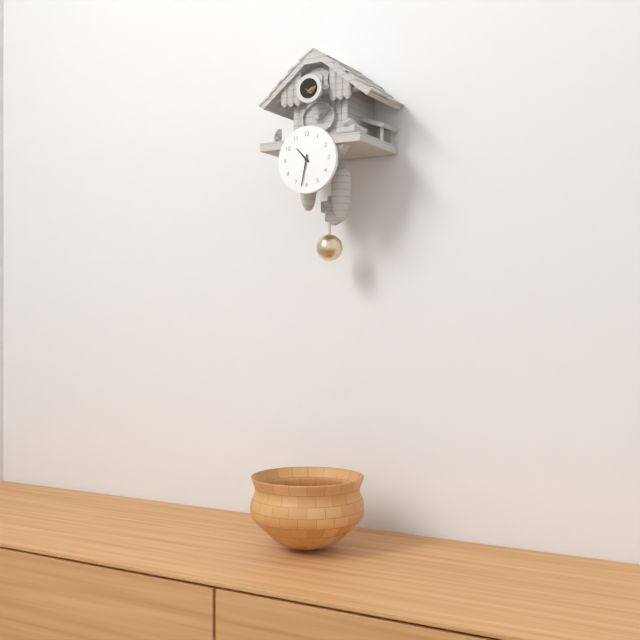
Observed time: 10:32
